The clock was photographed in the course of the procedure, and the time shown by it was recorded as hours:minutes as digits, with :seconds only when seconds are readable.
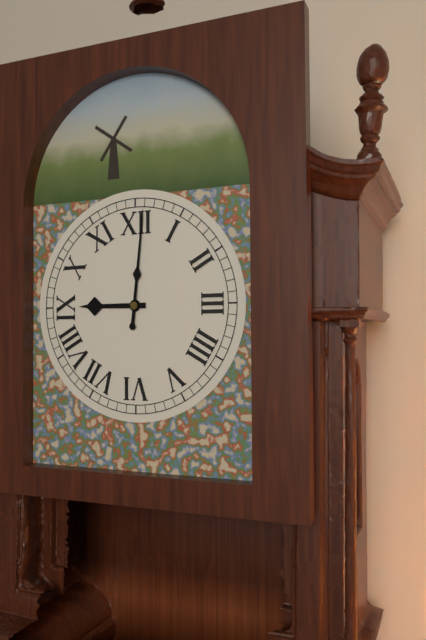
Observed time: 9:01
